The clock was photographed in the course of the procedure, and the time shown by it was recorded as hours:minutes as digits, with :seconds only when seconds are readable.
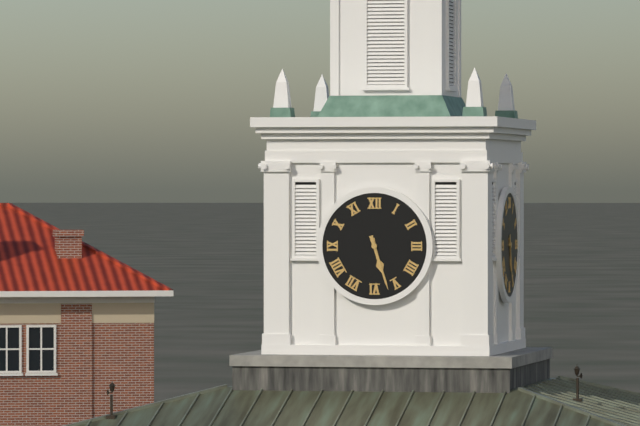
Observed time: 5:27
